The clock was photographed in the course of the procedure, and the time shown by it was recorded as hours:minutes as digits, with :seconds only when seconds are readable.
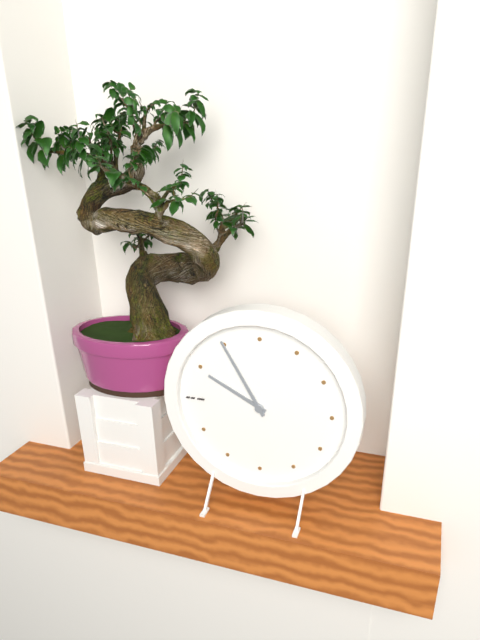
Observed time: 9:55
